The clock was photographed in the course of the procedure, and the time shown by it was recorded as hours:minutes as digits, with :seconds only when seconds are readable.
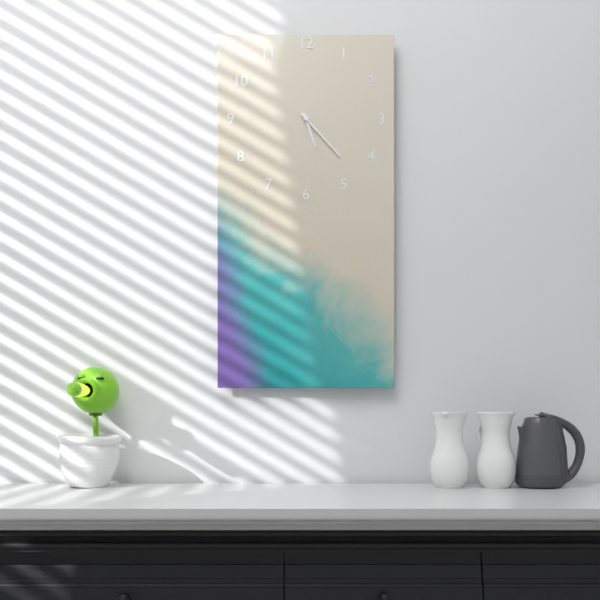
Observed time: 5:23
